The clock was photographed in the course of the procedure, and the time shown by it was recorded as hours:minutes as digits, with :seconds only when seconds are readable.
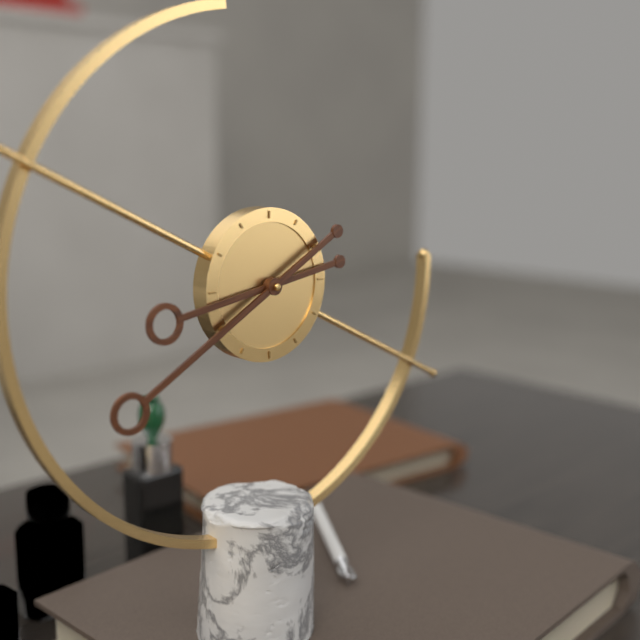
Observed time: 8:40
